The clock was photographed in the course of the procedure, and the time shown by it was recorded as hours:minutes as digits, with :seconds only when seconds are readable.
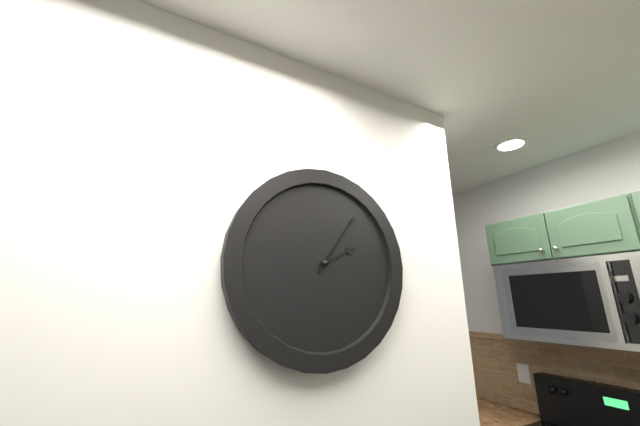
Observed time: 2:06
